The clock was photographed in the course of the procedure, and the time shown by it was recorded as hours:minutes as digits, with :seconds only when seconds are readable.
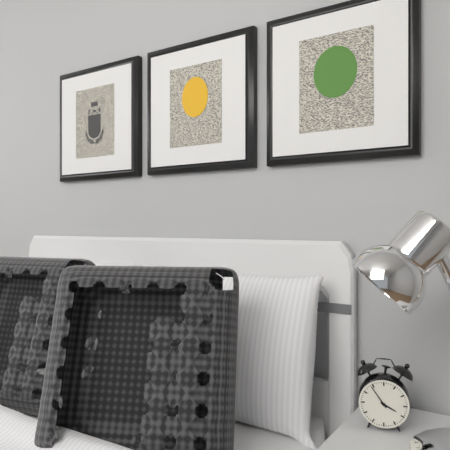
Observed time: 3:54
